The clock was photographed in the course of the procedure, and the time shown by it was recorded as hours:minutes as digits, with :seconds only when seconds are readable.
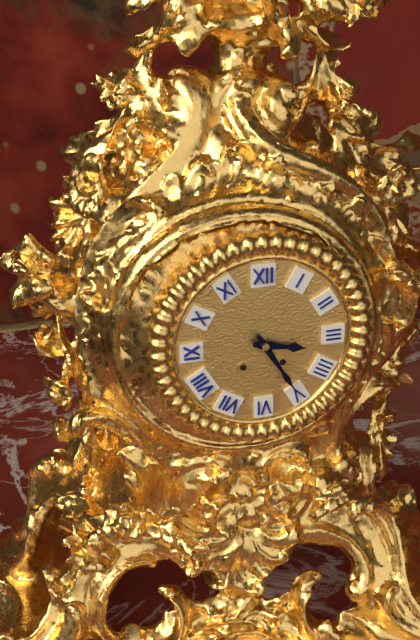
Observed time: 3:25
